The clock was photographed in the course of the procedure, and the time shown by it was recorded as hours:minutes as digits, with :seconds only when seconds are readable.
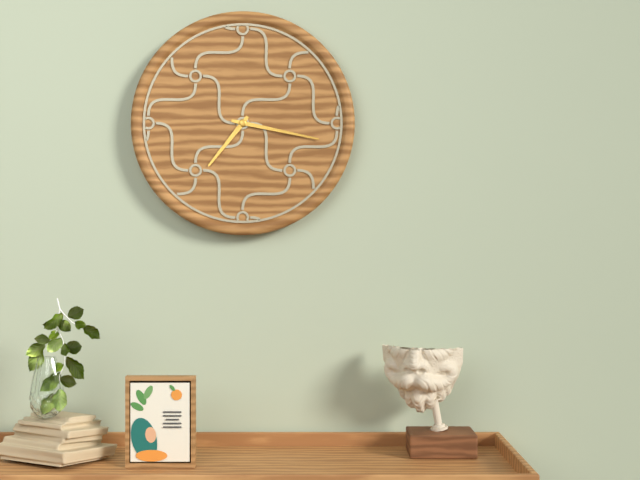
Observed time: 7:17
